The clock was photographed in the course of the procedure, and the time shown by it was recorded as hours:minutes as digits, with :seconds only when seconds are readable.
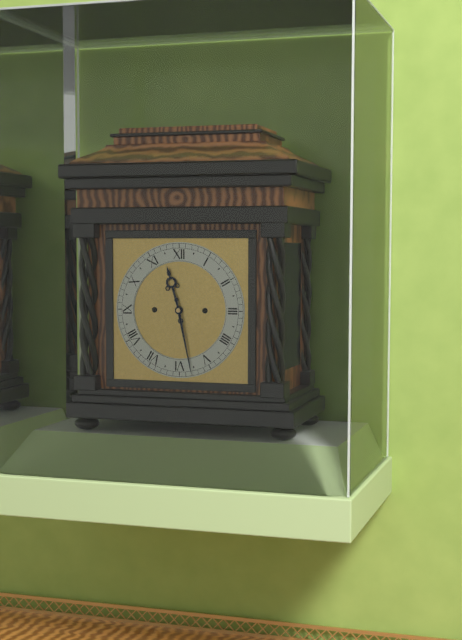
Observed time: 11:28
